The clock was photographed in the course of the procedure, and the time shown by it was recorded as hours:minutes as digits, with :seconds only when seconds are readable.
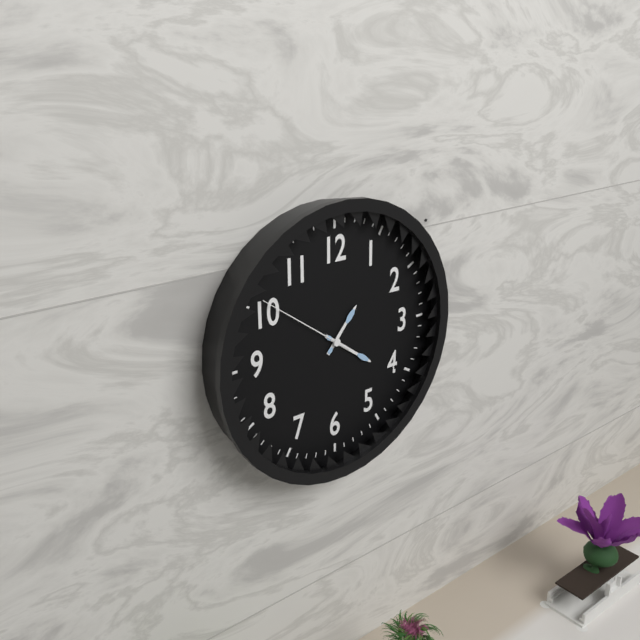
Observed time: 1:21:51
